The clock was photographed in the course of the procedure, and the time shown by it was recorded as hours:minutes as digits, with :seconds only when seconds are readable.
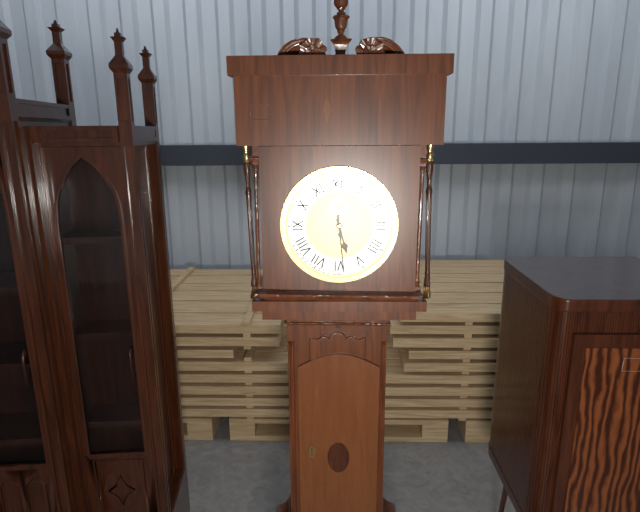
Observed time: 5:29
